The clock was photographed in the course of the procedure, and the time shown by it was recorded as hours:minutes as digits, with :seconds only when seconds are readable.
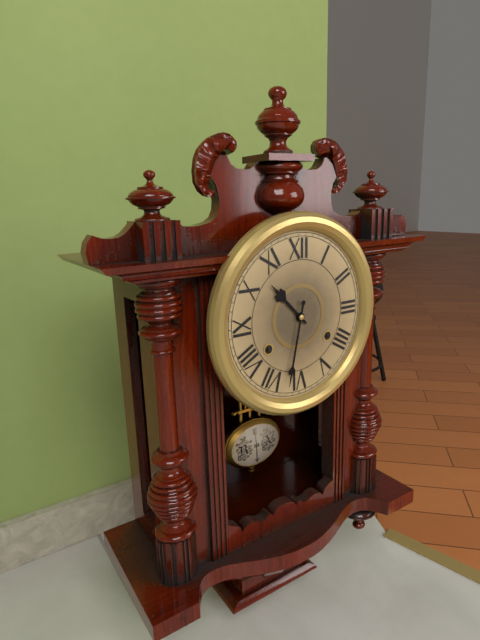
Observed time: 10:32
